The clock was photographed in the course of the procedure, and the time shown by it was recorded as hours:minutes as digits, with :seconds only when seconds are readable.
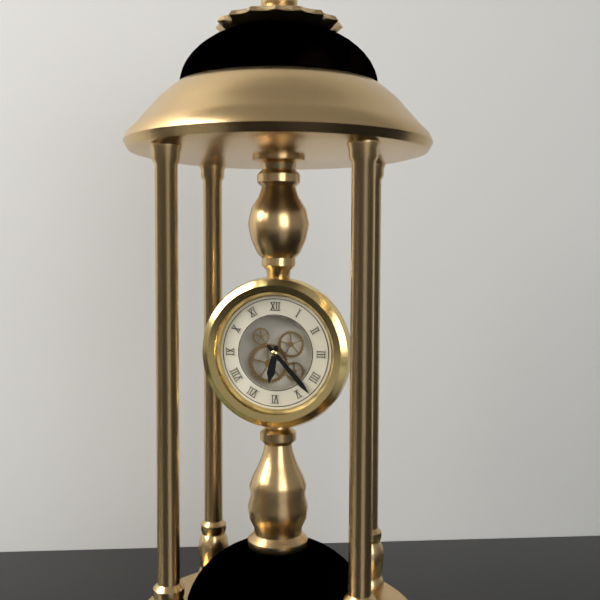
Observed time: 6:23
